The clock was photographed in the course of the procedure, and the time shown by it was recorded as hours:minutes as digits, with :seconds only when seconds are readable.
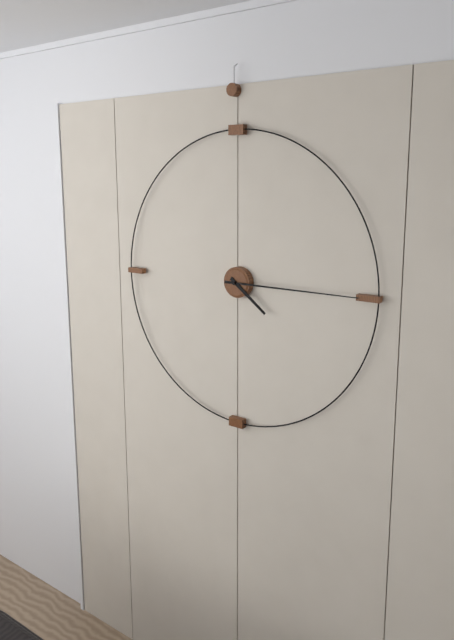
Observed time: 4:15
